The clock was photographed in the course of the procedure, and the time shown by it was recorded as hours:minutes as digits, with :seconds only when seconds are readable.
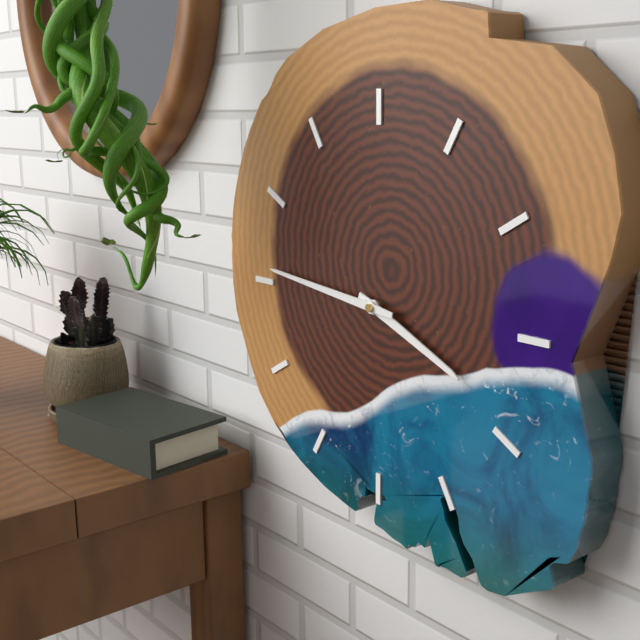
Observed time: 3:46
